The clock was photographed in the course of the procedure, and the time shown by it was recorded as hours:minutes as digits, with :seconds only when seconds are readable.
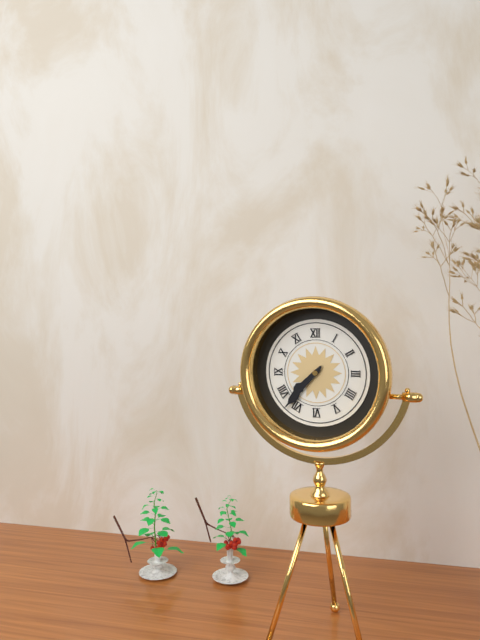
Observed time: 7:37
